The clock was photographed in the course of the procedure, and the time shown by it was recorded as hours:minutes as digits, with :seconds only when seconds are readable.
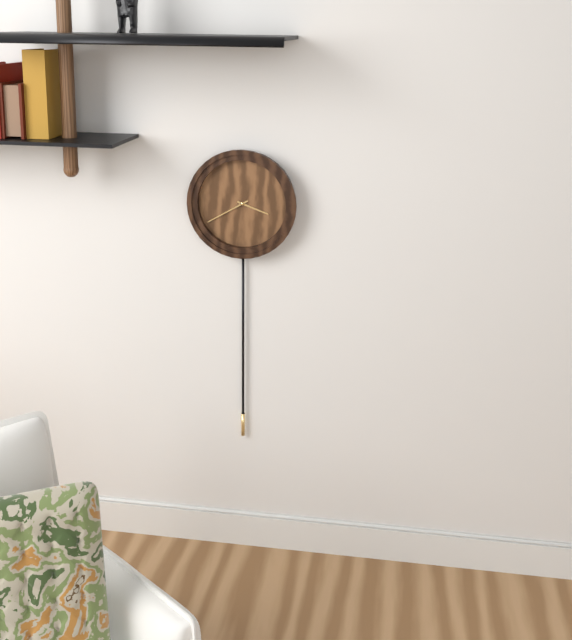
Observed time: 3:40
